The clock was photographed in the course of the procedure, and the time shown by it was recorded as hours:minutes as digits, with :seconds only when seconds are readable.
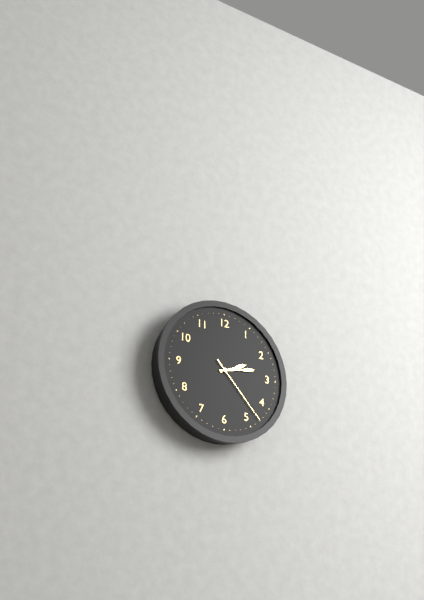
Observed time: 2:13:23
